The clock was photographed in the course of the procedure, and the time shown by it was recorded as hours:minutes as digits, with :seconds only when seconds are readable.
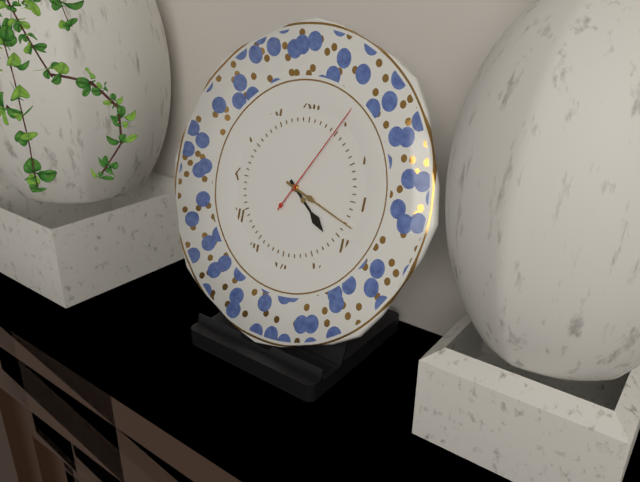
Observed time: 4:18:05
